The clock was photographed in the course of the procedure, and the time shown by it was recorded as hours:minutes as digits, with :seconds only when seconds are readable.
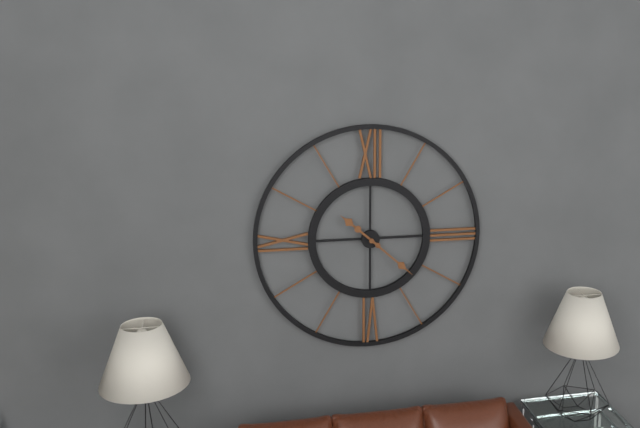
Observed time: 10:22
